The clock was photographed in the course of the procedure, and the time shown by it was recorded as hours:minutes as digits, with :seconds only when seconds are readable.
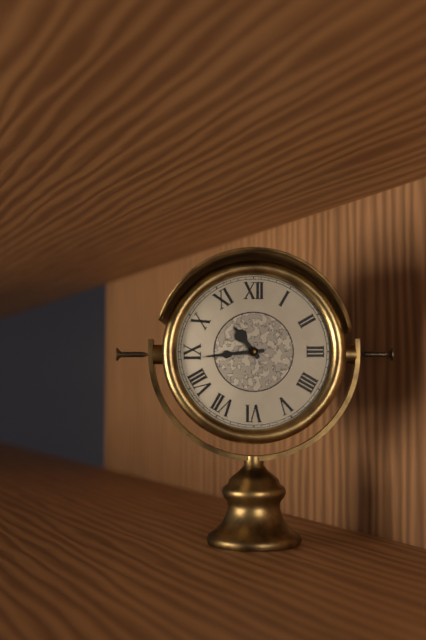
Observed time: 10:44
